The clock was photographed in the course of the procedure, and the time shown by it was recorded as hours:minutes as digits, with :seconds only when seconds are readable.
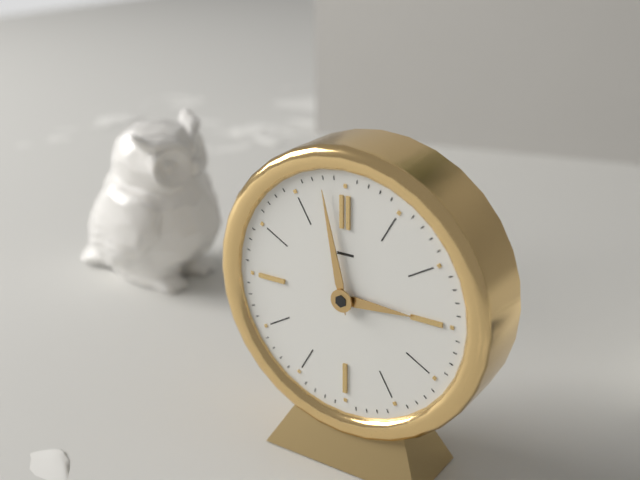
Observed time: 2:58
